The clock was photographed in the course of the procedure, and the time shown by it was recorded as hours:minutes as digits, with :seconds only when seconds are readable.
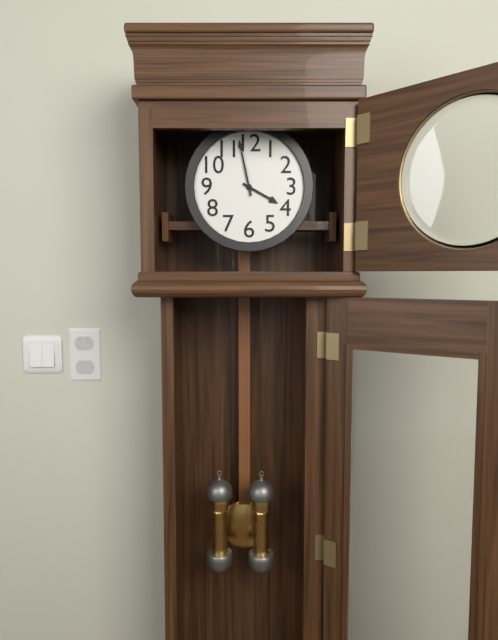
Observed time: 3:58
